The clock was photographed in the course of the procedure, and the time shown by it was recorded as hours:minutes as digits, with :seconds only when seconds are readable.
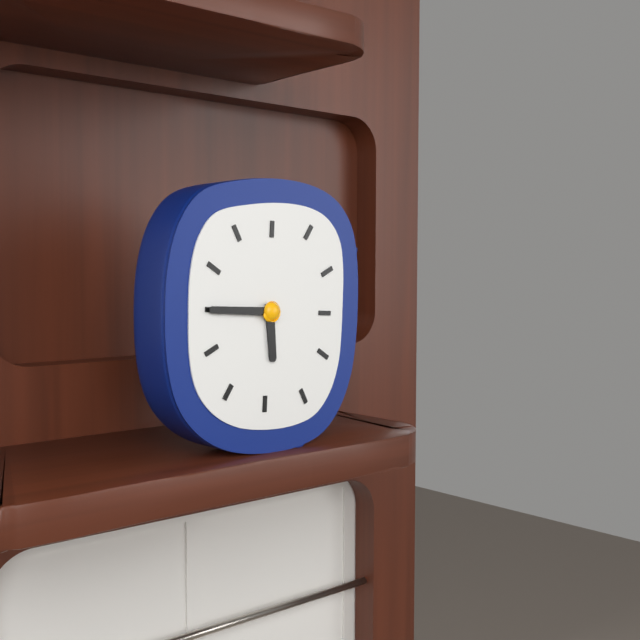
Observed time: 5:45
